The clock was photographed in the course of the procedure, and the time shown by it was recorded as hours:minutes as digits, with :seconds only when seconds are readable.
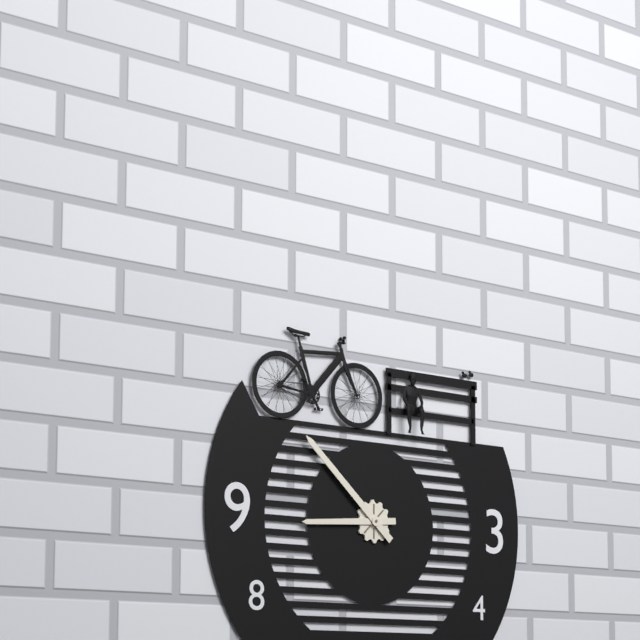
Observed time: 8:52
